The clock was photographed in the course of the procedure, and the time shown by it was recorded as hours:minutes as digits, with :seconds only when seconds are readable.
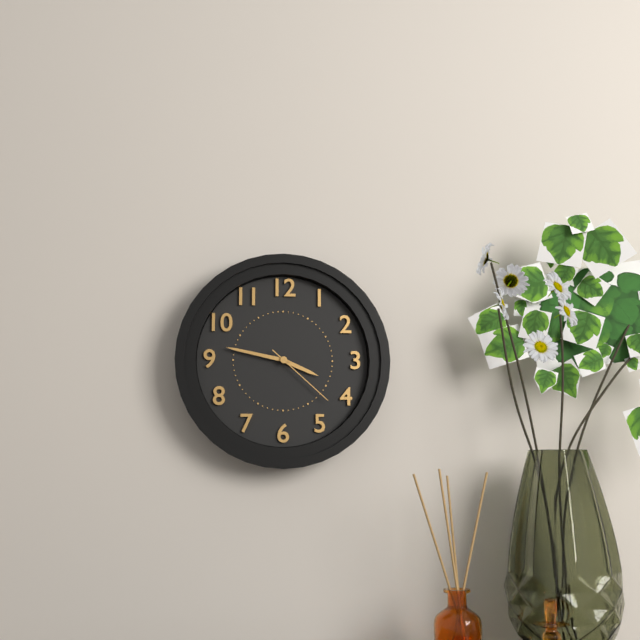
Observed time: 3:47:22
